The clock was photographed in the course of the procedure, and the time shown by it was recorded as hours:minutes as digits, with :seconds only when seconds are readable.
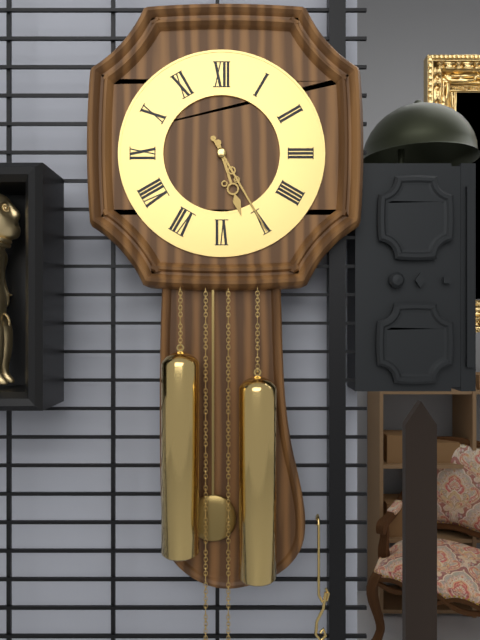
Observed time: 5:25
